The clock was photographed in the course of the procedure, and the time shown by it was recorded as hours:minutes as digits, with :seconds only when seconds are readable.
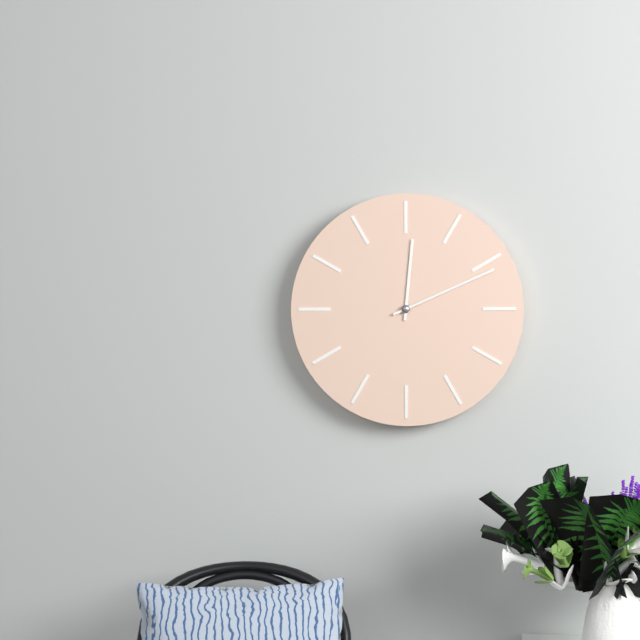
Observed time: 12:11
